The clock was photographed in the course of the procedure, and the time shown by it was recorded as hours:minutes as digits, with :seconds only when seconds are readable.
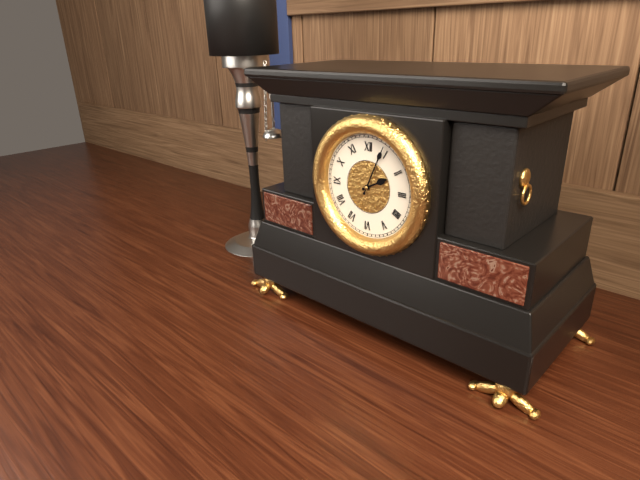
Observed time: 2:04
